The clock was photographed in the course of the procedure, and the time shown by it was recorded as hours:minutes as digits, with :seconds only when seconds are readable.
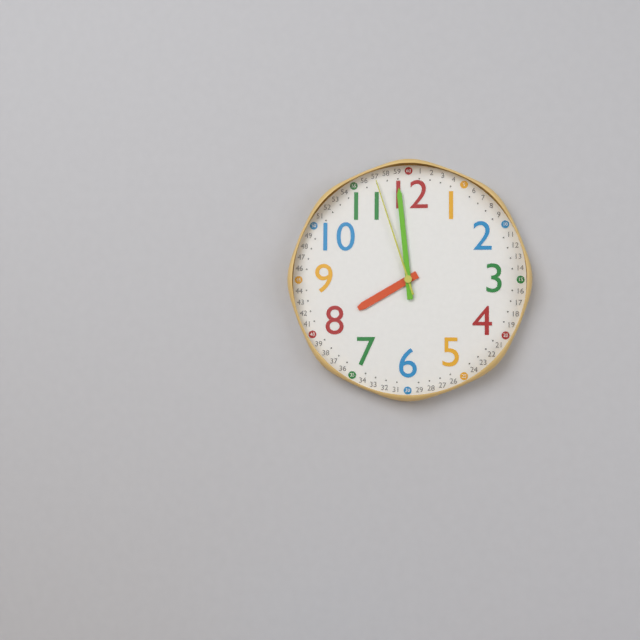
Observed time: 7:59:57
